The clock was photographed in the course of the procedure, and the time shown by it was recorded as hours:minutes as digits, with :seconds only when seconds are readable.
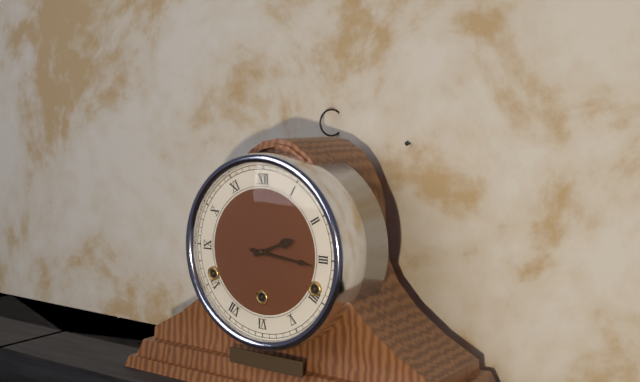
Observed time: 2:16
